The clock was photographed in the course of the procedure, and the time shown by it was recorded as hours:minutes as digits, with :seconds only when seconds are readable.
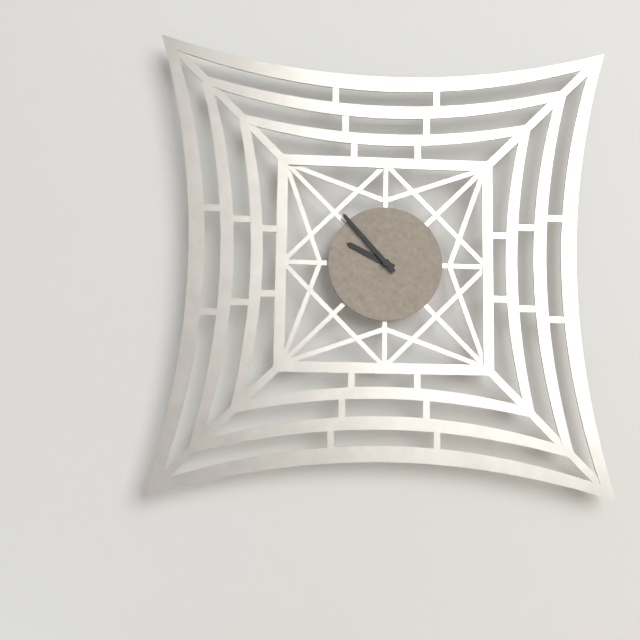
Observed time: 9:53
